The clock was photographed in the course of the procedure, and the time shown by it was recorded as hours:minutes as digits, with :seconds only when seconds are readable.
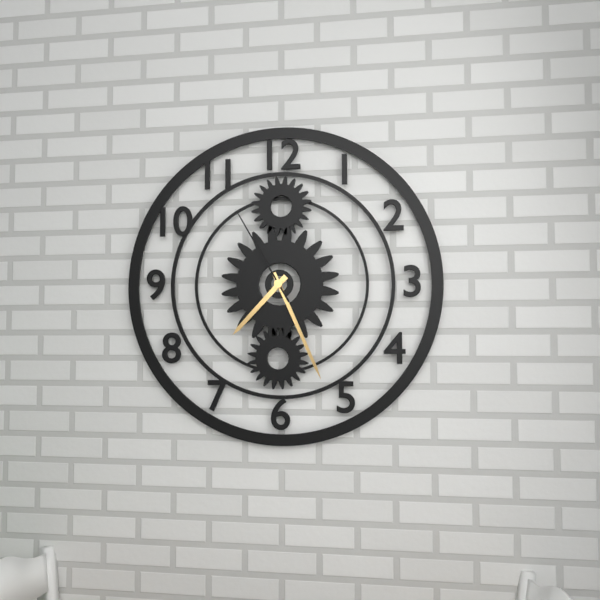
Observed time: 7:26:55
